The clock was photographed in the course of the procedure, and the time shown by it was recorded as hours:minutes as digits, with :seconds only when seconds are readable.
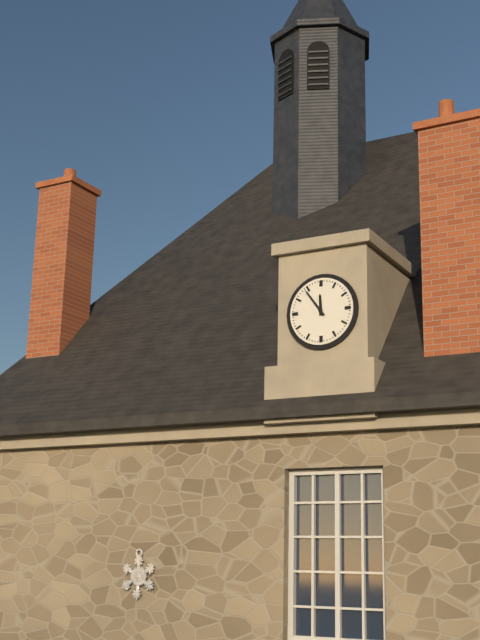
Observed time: 11:54
